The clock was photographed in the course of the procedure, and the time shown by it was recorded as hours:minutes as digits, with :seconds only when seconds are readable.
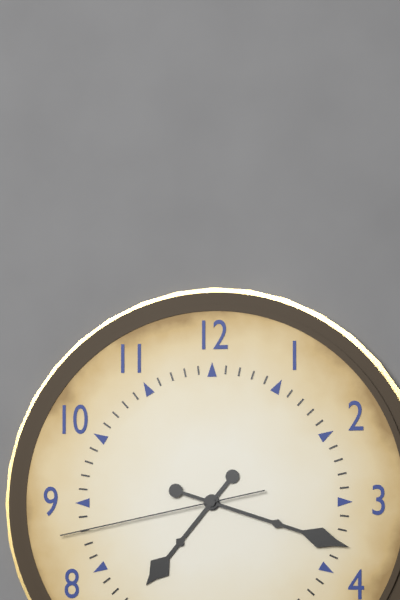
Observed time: 7:18:43
